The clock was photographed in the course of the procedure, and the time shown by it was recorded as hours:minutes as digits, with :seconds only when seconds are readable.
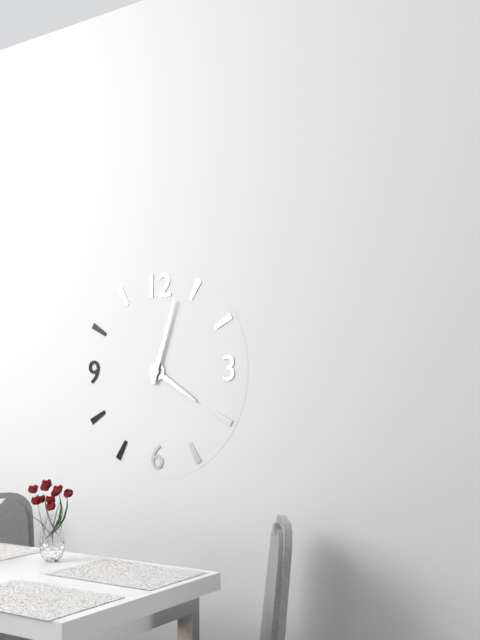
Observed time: 4:03
